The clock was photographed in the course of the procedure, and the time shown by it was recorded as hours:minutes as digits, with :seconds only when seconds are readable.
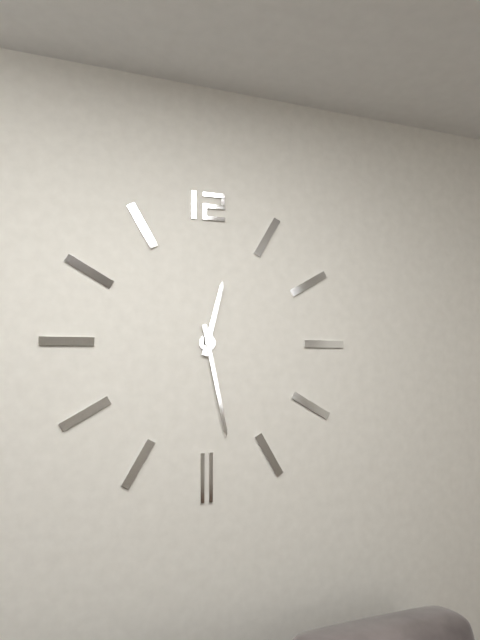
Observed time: 12:28
